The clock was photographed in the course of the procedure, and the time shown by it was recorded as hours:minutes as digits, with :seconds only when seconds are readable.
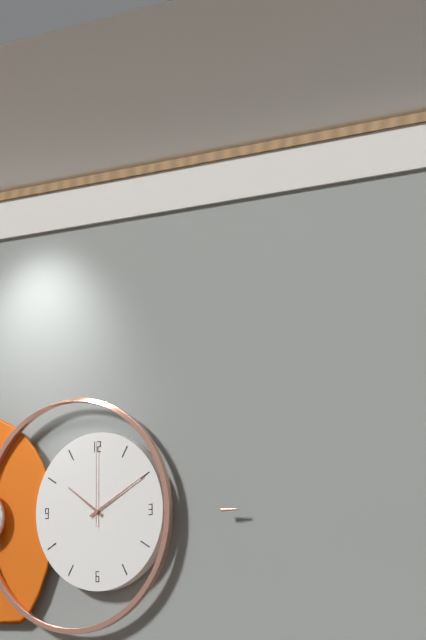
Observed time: 10:10:00
